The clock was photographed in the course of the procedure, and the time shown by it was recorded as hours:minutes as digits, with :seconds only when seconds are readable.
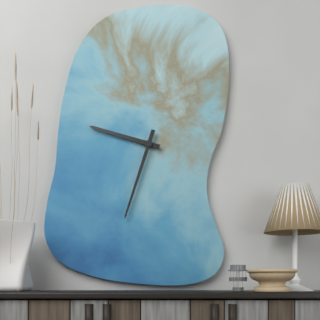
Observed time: 9:33
